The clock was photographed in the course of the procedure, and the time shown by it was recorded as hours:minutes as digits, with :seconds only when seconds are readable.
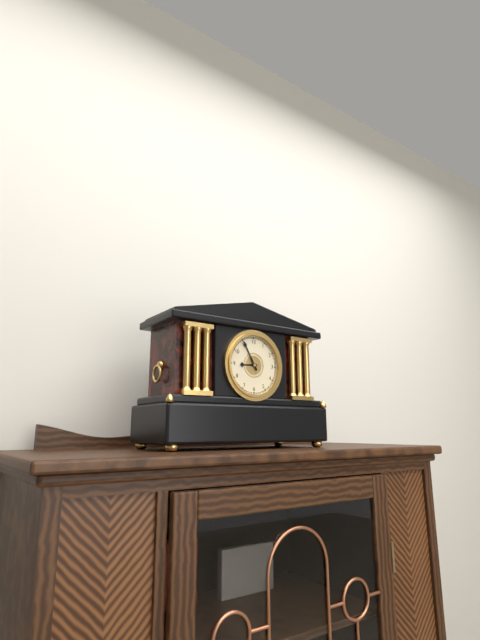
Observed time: 8:55
